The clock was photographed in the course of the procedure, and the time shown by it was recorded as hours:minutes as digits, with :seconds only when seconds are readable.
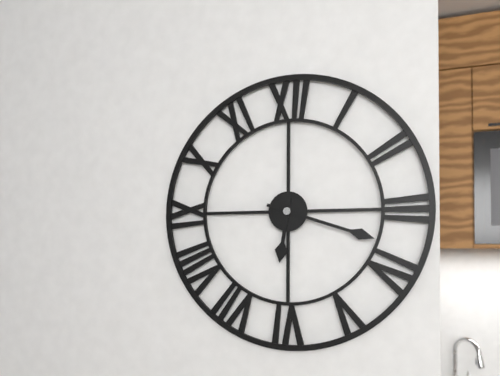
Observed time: 6:18
